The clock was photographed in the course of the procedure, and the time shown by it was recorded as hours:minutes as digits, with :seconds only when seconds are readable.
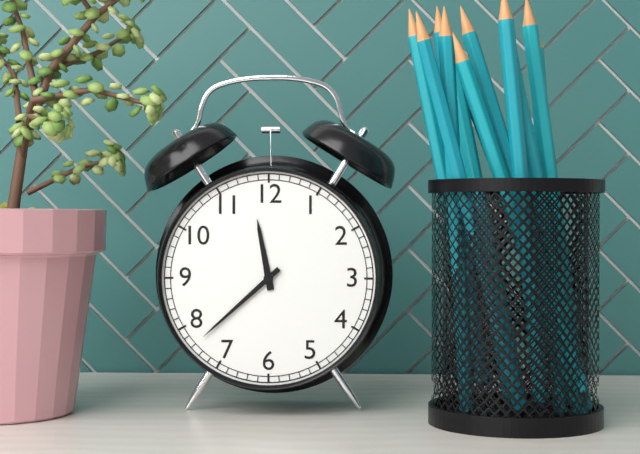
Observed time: 11:38
